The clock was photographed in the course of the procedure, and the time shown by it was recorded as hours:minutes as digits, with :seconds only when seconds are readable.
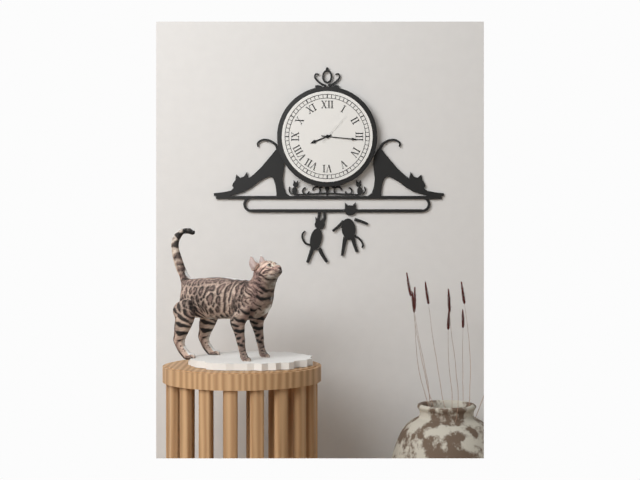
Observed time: 8:16
